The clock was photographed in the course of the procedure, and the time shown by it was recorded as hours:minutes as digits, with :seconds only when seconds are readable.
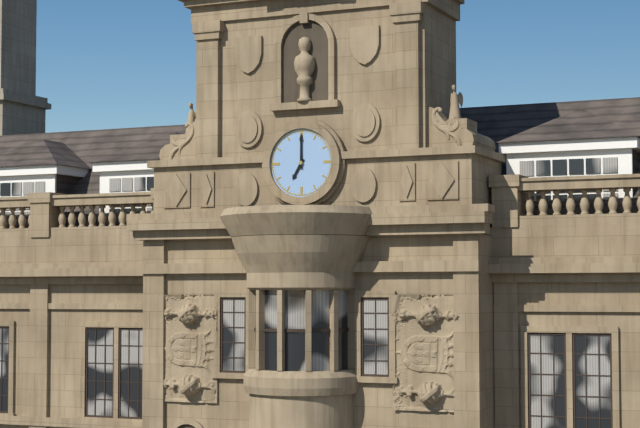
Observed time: 7:00
